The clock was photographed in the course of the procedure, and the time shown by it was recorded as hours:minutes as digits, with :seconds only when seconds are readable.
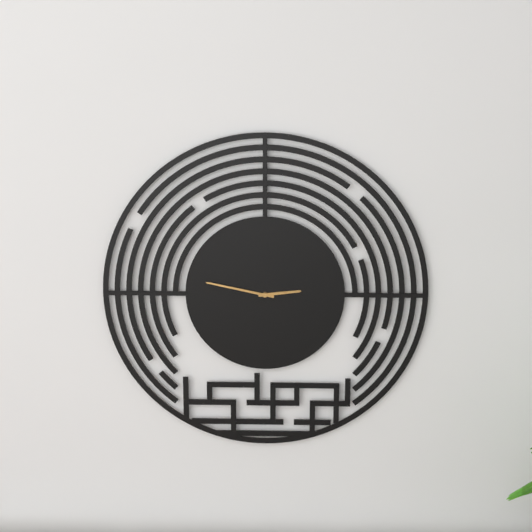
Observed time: 2:47
